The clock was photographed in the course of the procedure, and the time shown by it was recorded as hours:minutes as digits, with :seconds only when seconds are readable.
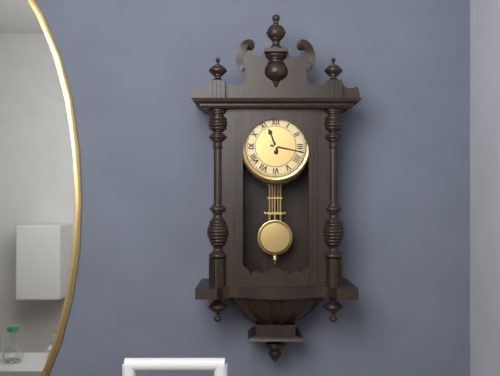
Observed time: 11:17
